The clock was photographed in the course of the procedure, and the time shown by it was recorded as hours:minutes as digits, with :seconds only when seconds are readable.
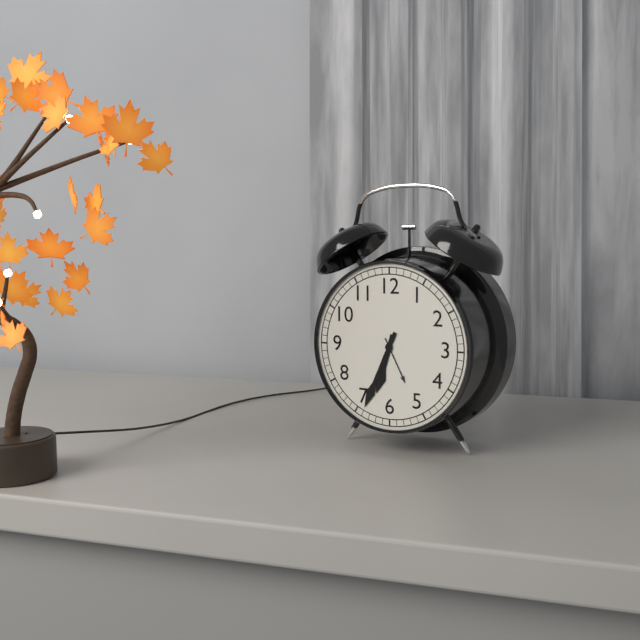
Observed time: 6:34
